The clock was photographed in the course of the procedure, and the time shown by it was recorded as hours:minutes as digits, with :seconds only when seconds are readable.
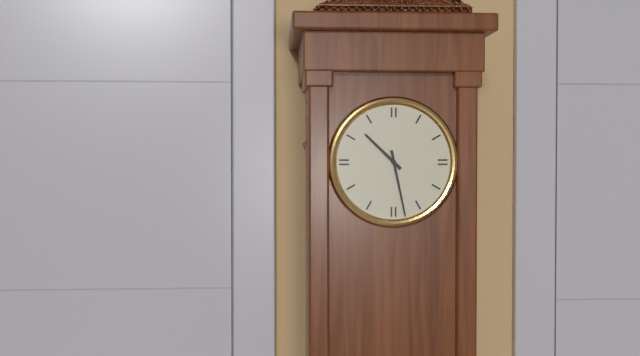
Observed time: 10:28
